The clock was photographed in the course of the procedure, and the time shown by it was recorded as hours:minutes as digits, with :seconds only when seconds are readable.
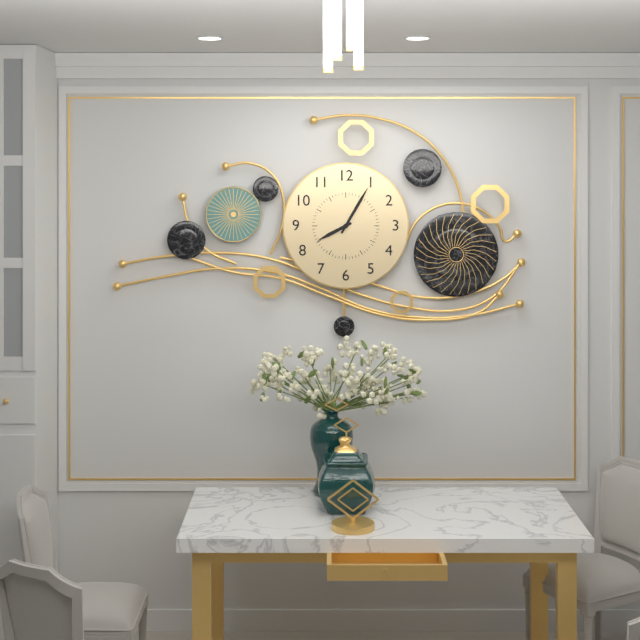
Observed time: 8:05
